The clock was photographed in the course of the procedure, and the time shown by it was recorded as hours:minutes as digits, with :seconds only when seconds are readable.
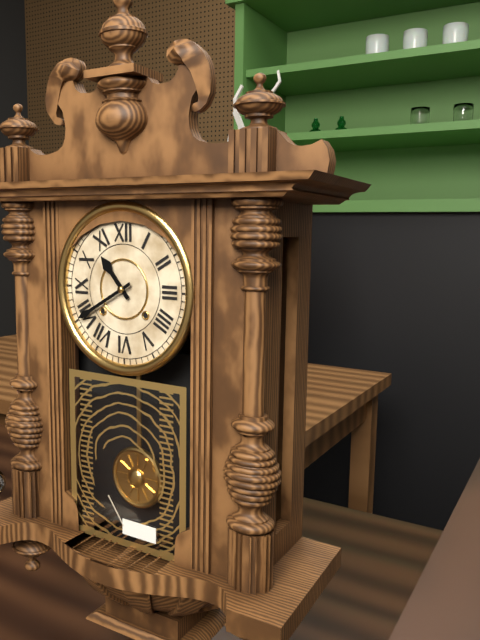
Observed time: 10:40
